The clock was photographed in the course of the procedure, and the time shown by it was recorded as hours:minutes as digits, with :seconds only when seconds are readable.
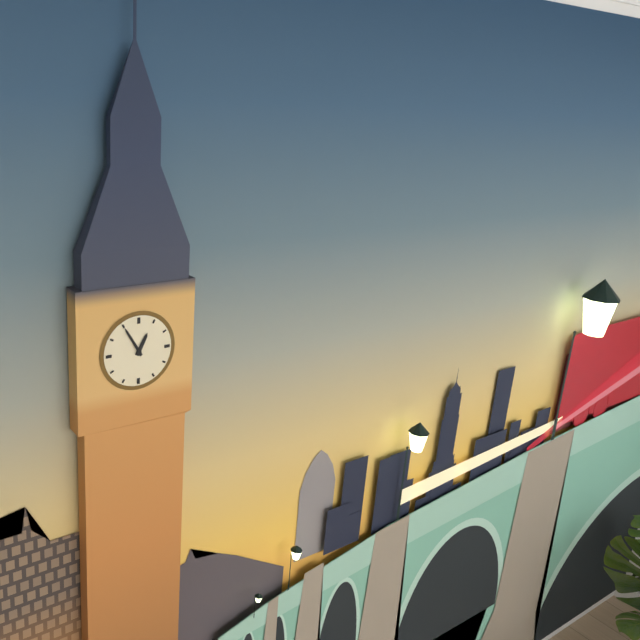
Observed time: 12:55
